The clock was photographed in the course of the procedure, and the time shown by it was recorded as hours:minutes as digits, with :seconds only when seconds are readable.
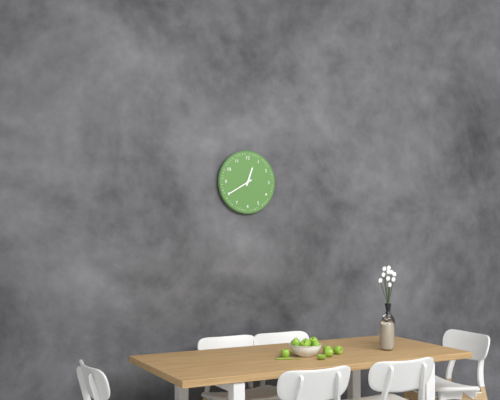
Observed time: 12:40
